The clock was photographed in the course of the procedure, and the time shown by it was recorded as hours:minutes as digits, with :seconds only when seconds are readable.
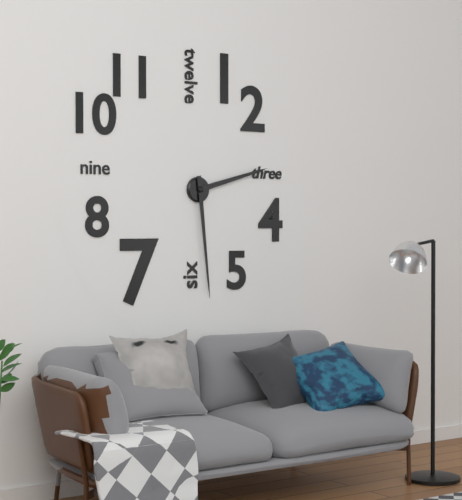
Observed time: 2:29
